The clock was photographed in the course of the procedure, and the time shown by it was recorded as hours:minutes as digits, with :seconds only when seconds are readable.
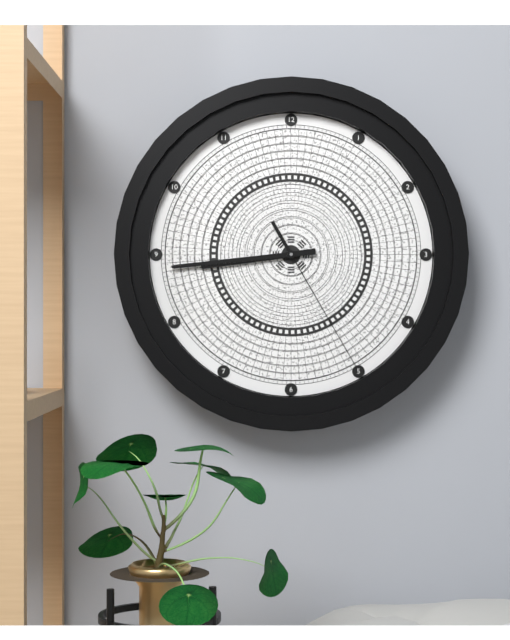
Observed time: 8:44:25
